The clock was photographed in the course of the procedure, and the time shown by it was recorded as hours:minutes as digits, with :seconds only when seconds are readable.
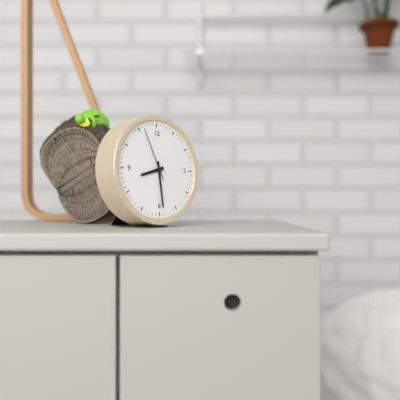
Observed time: 8:29:56
